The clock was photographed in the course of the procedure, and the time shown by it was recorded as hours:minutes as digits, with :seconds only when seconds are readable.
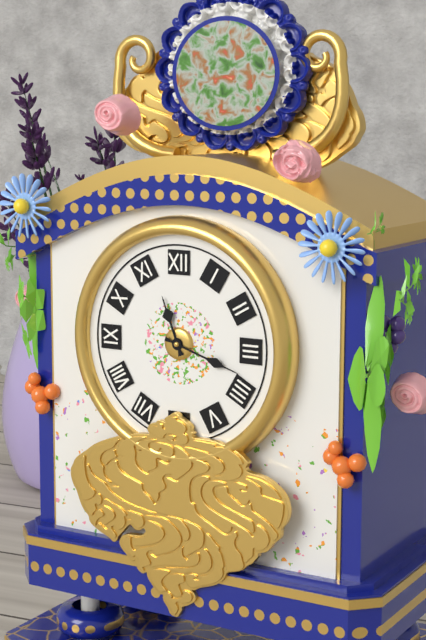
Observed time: 11:18
